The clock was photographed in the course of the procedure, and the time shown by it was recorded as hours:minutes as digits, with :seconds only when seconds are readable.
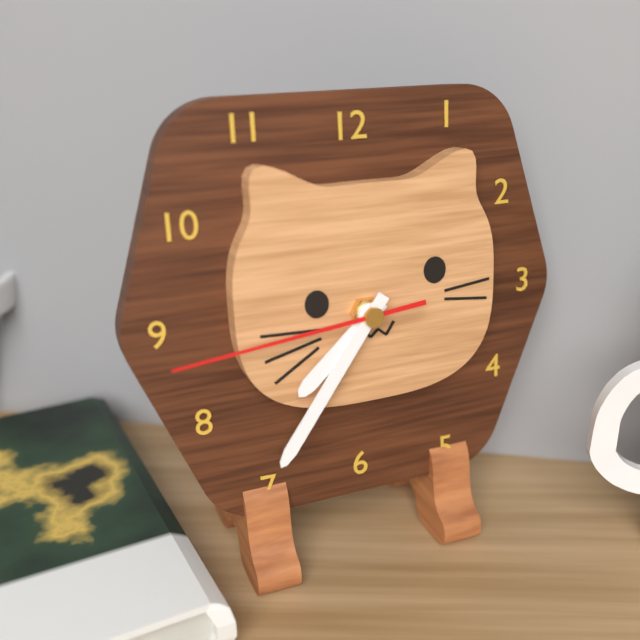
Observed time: 7:36:44
